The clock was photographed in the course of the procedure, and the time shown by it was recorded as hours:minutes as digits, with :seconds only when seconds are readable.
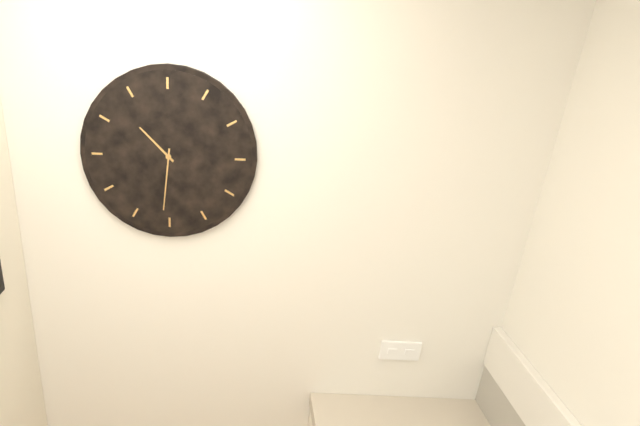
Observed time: 10:31
